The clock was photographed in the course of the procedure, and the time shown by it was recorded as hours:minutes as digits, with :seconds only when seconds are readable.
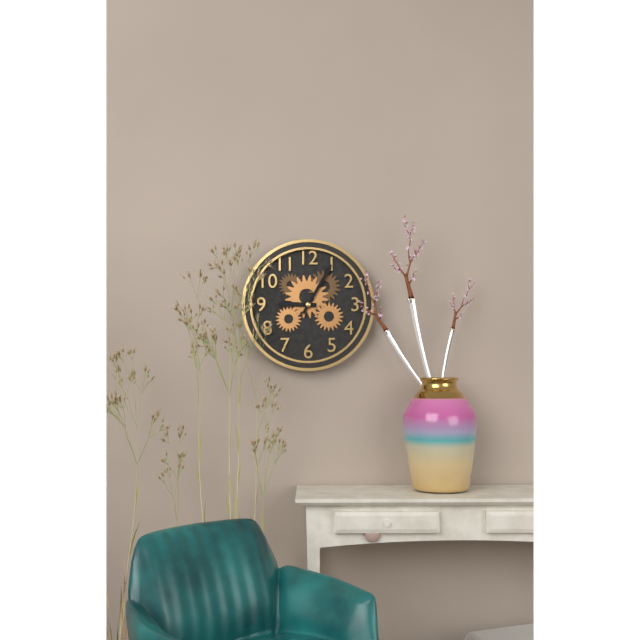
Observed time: 9:05
